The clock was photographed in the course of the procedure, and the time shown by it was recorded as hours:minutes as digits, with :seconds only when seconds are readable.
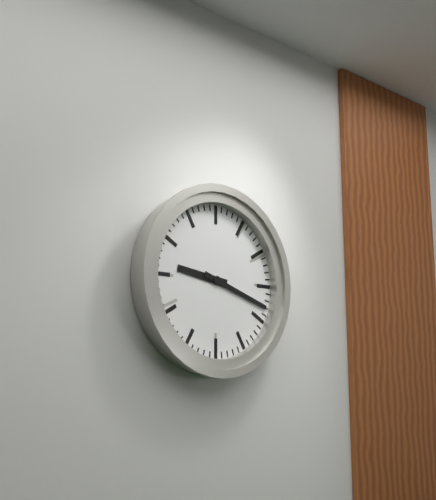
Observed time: 9:18
